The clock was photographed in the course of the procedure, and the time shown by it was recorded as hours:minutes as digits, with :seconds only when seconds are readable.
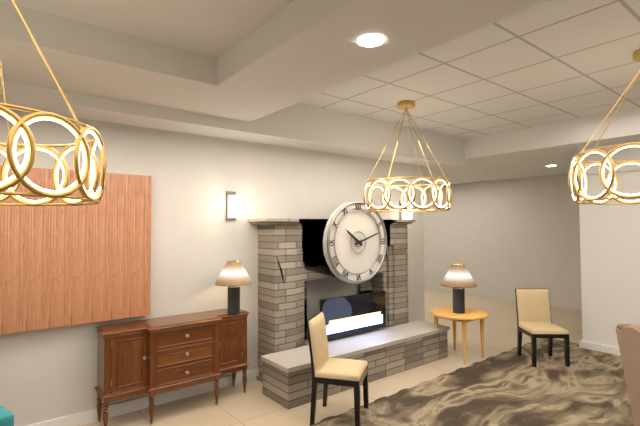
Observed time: 10:12
